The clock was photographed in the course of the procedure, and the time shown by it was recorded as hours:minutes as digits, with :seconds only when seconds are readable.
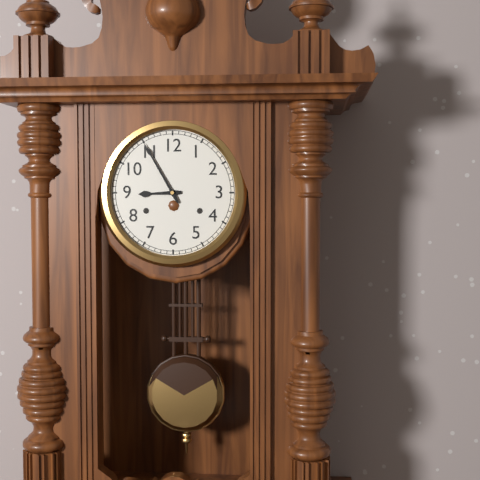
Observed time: 8:55
